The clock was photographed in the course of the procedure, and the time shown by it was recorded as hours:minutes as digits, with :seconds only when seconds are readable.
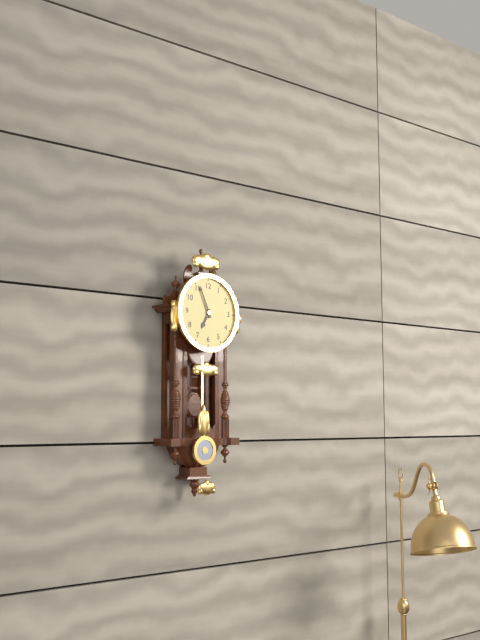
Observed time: 6:56
